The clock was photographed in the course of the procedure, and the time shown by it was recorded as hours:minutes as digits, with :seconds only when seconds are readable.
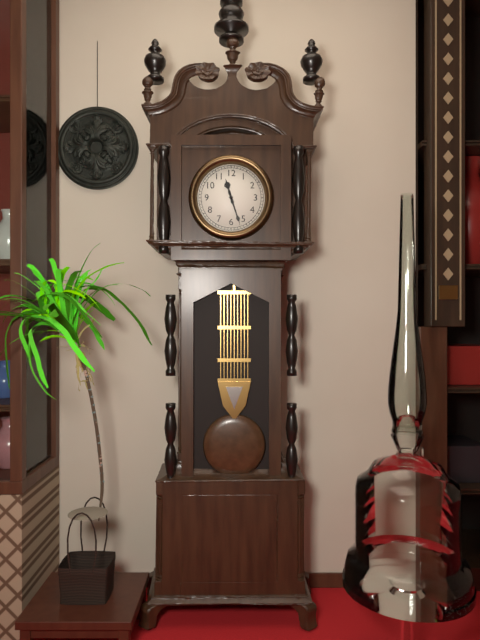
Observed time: 11:27
